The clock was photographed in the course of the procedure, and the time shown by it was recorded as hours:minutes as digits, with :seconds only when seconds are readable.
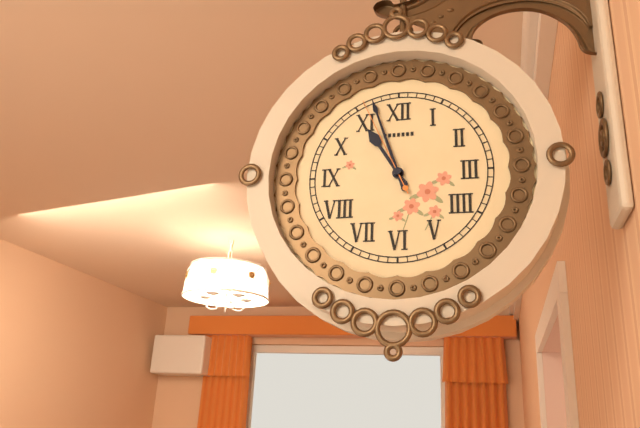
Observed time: 10:57:56
